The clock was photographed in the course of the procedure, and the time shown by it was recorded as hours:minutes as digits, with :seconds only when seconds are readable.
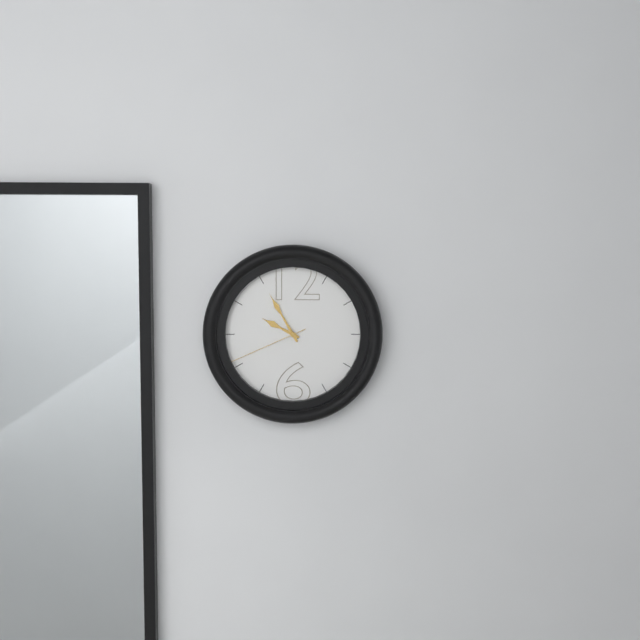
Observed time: 9:55:41
